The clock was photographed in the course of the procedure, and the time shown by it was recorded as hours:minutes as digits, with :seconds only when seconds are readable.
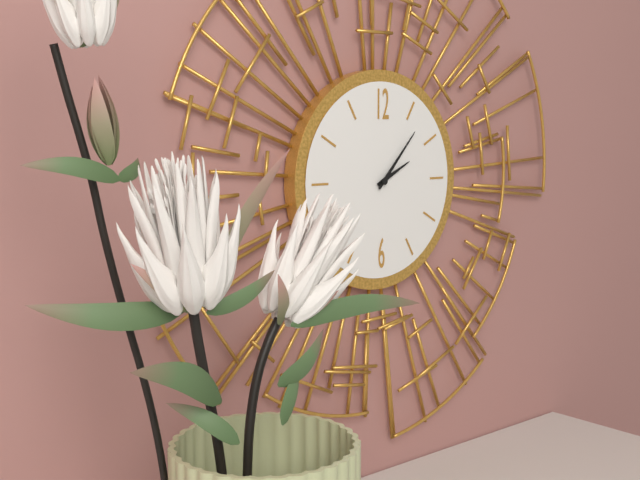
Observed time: 2:07
